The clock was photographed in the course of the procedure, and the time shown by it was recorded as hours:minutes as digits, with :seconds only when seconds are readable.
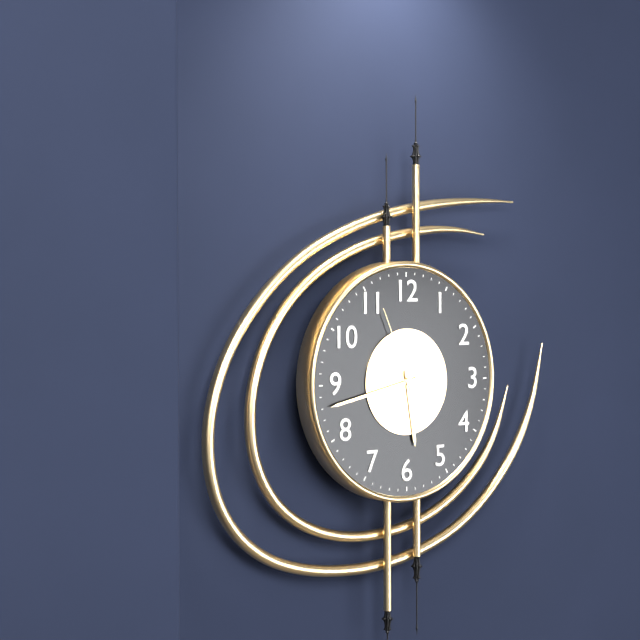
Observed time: 5:43:56
